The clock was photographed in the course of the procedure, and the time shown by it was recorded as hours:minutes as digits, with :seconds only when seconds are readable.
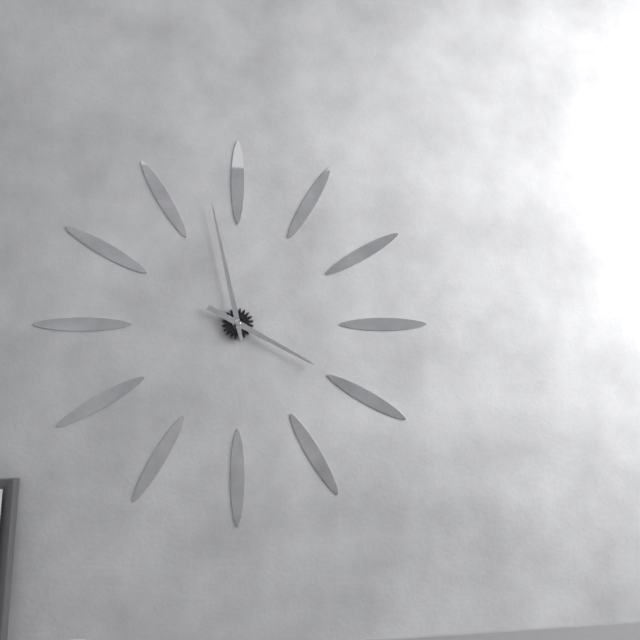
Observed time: 3:58
